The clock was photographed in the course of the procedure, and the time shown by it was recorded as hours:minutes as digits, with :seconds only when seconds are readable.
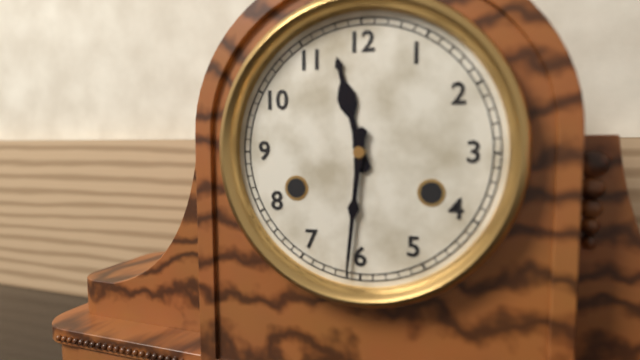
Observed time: 11:31
